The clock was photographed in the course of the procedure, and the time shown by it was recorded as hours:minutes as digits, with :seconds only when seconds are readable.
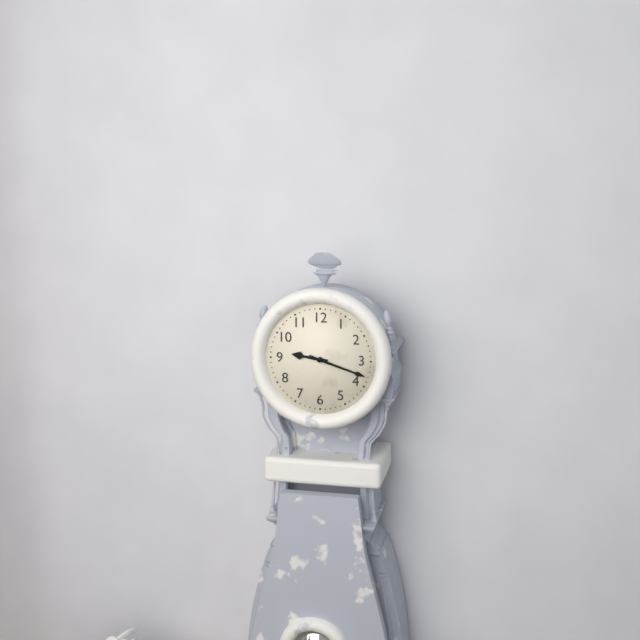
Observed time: 9:18
